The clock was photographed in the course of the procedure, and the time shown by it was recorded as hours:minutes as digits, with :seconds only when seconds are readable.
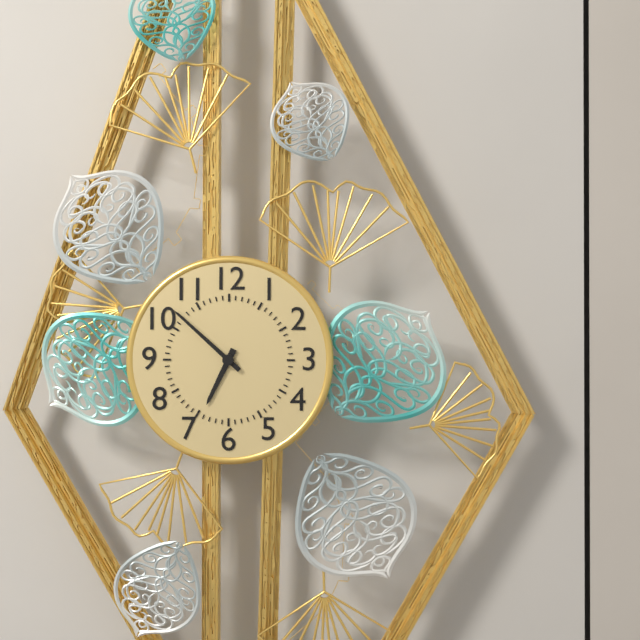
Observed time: 6:52
